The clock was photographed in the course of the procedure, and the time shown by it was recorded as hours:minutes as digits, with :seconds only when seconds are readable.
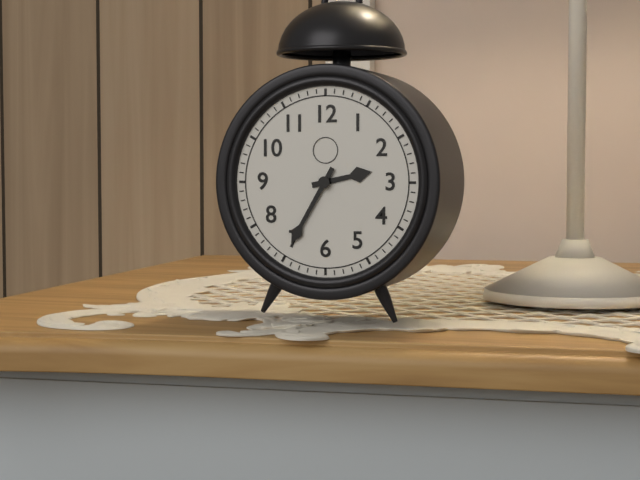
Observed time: 2:35
